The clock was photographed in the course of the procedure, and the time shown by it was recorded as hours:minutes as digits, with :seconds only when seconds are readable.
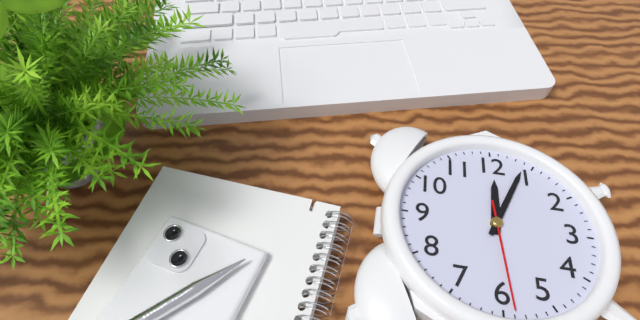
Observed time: 12:04:29
